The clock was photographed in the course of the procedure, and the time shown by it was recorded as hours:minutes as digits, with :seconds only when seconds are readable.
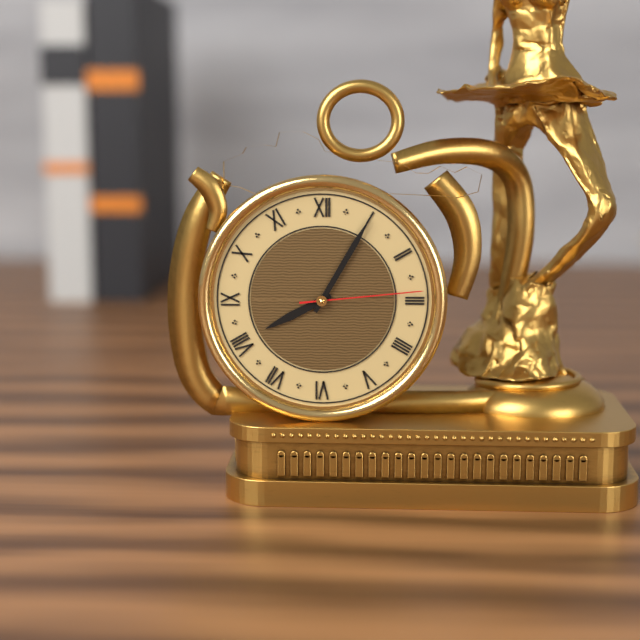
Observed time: 8:05:14
